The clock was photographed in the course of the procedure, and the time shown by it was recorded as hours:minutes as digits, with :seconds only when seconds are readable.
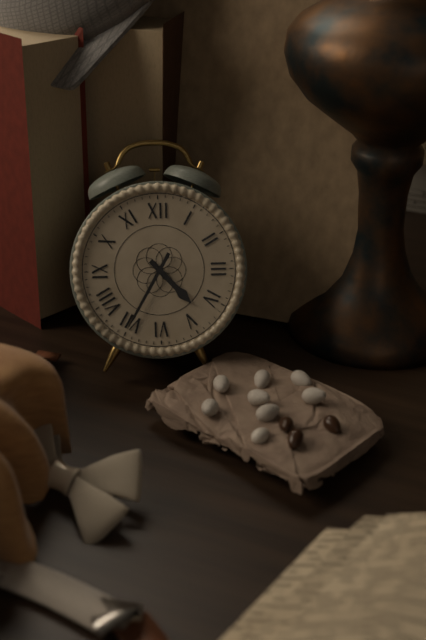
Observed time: 4:35
